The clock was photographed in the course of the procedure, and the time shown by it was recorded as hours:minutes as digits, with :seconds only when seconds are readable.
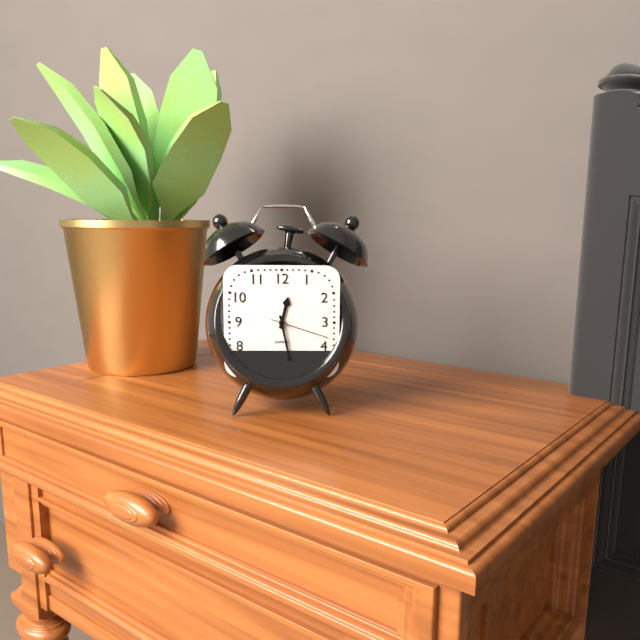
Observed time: 12:28:18
